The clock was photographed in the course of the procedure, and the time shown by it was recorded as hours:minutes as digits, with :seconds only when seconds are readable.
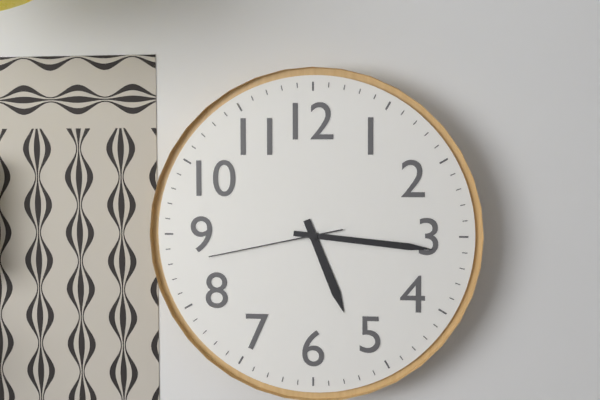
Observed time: 5:16:43
